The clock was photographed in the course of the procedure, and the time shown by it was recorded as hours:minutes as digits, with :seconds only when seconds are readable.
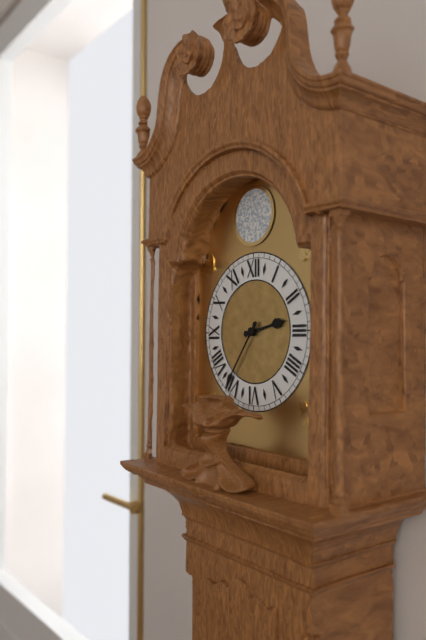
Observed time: 2:36
